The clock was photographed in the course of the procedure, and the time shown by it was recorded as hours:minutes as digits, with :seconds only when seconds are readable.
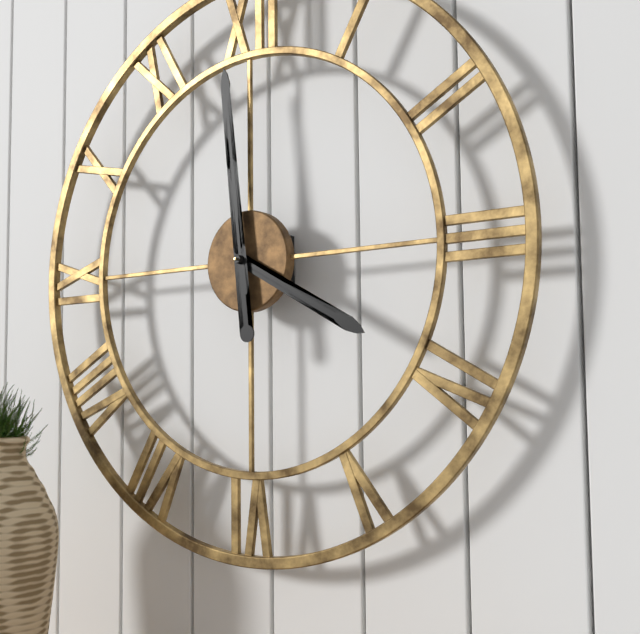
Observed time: 3:59
